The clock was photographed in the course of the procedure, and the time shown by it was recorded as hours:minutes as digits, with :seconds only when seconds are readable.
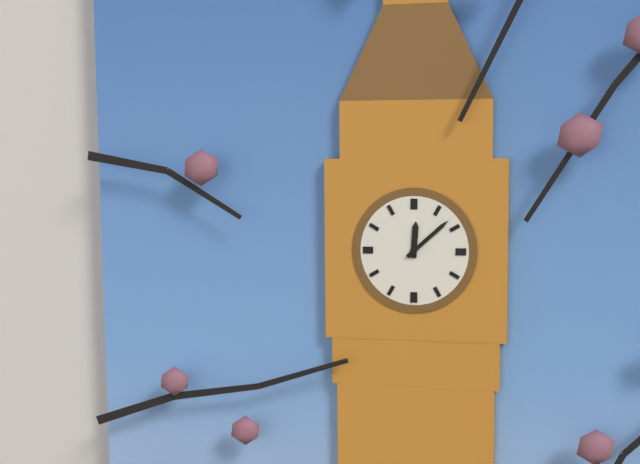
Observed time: 12:08
